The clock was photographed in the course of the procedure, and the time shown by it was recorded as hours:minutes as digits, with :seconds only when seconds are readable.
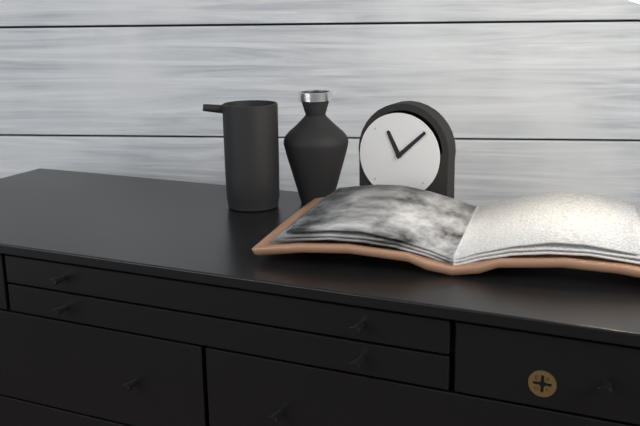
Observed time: 11:08
